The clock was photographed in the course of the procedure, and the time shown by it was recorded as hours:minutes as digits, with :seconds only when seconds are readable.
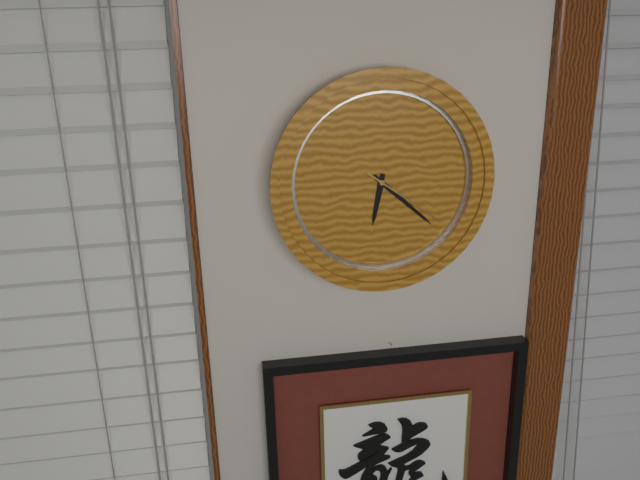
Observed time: 6:22:21
